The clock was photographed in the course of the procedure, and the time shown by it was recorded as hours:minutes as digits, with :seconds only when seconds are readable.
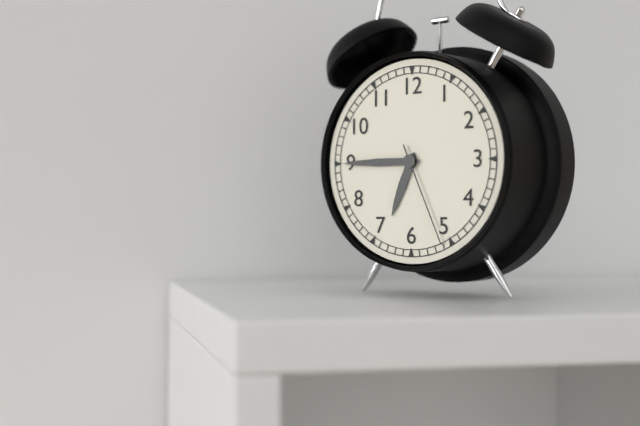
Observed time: 6:45:26
